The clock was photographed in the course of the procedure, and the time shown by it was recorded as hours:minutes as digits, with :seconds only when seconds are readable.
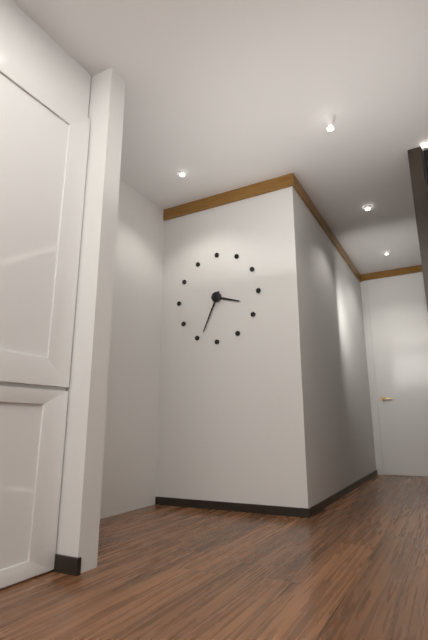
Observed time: 3:34
